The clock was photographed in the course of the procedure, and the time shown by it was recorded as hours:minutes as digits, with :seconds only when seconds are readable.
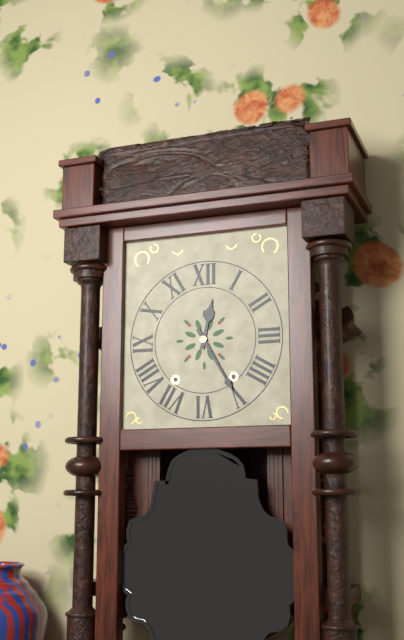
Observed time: 12:25
